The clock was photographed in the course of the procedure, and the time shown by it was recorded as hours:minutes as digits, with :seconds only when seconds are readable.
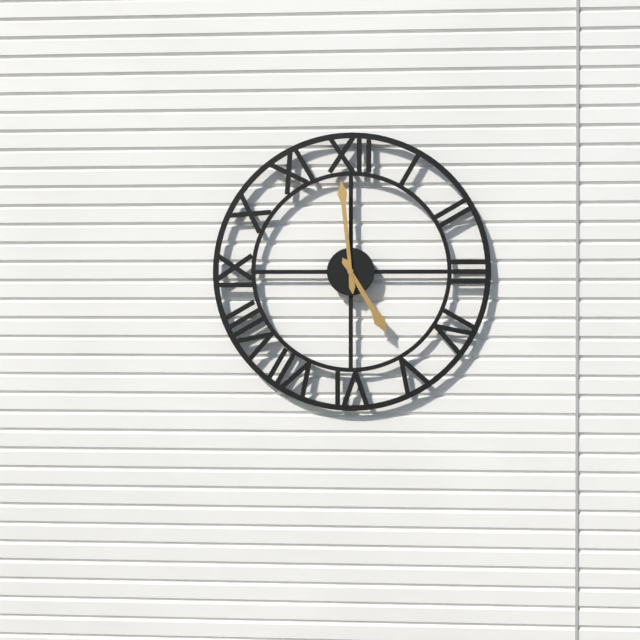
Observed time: 4:59
